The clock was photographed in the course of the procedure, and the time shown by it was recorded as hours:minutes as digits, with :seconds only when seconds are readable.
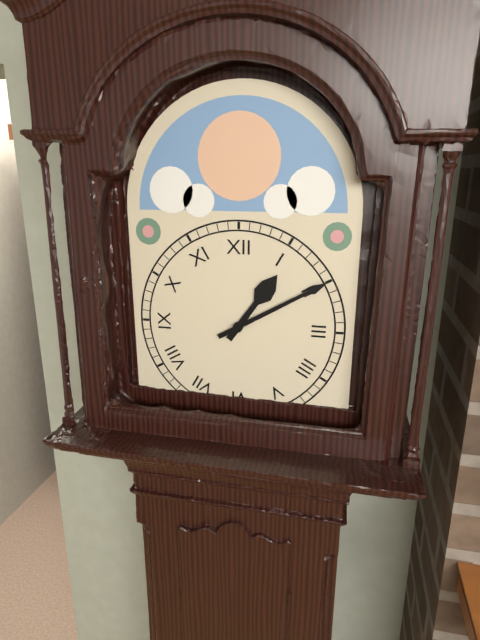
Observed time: 1:10
